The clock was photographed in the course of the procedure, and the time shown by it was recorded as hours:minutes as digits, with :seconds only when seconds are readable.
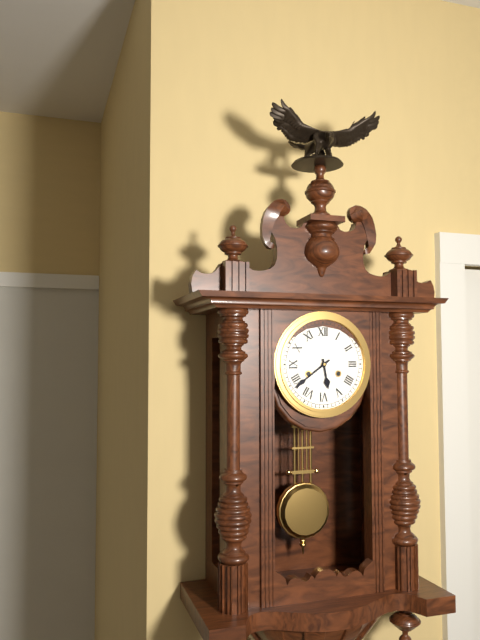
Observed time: 5:39
